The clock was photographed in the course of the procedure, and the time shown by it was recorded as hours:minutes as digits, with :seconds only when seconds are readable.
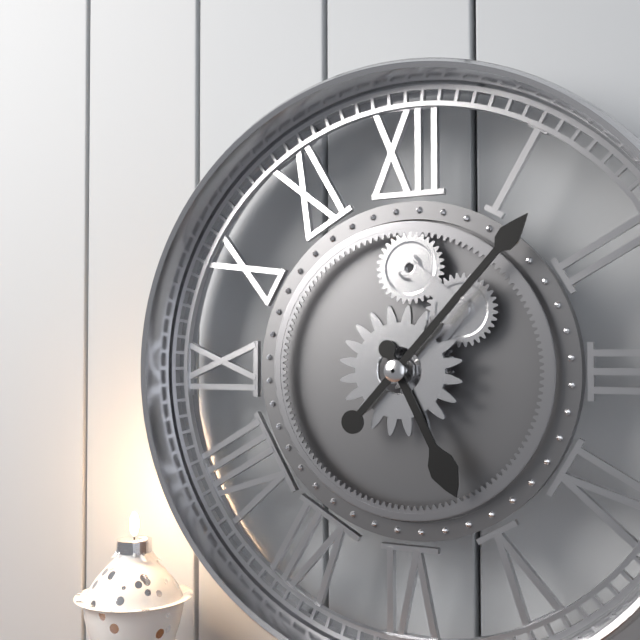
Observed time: 5:07
